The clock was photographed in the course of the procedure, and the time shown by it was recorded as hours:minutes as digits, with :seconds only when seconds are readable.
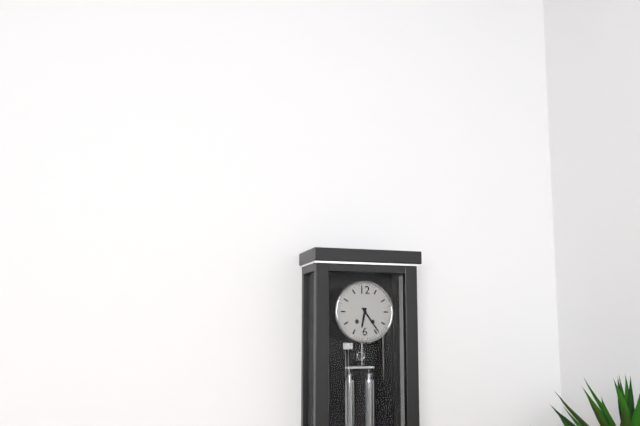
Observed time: 6:24
